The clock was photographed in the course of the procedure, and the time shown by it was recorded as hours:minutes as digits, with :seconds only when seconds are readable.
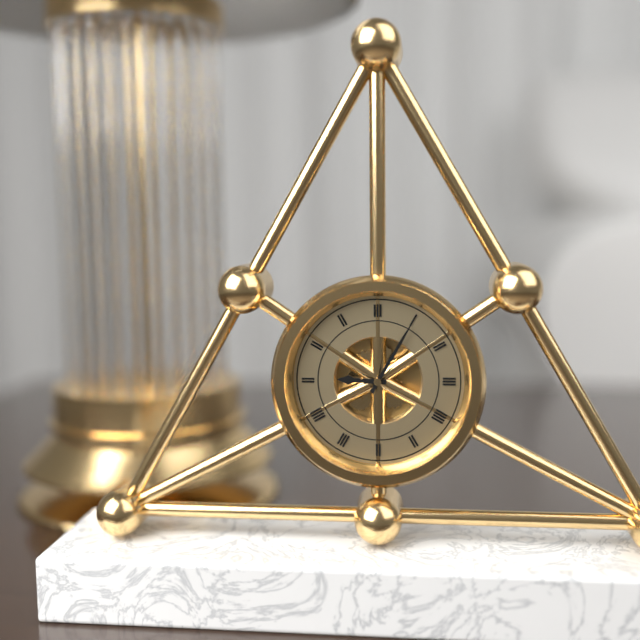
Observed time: 9:05
